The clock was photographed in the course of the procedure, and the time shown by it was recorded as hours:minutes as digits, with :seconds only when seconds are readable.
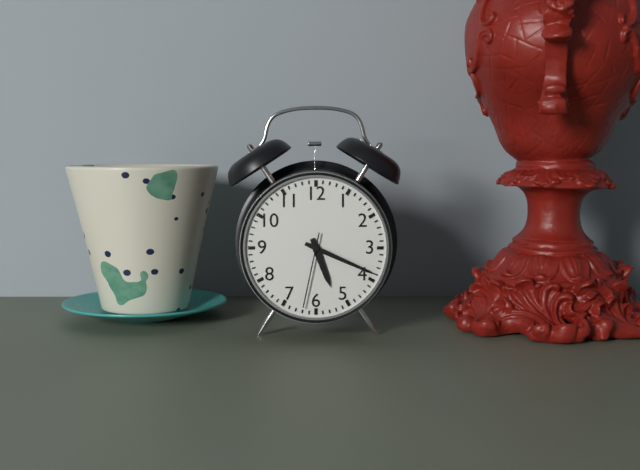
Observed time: 5:19:32
